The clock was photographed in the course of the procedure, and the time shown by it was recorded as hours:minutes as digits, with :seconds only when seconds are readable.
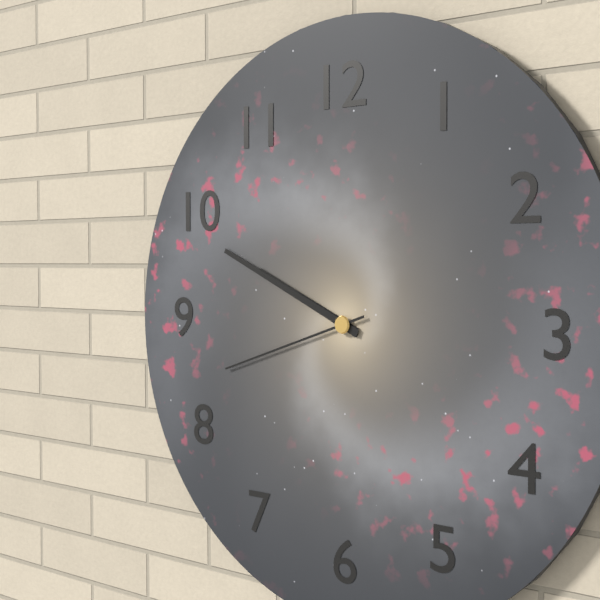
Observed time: 9:49:42
